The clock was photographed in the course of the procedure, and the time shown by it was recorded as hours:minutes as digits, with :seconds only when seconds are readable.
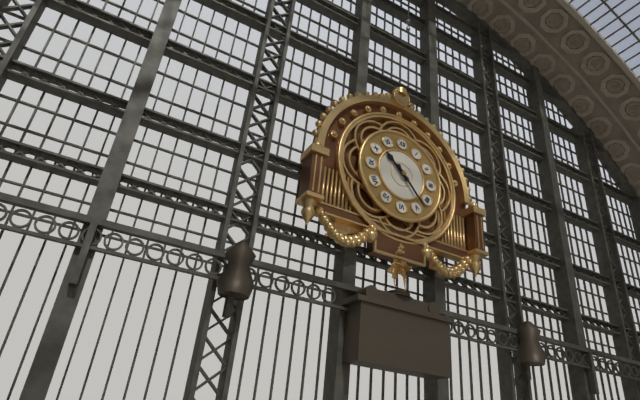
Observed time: 10:23
